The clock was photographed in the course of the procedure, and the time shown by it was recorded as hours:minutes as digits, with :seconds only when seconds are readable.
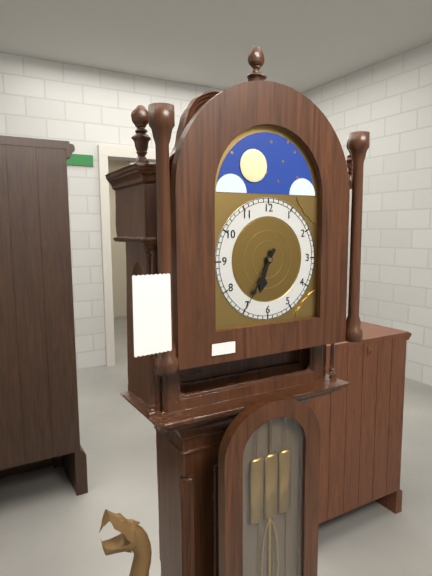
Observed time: 6:35
